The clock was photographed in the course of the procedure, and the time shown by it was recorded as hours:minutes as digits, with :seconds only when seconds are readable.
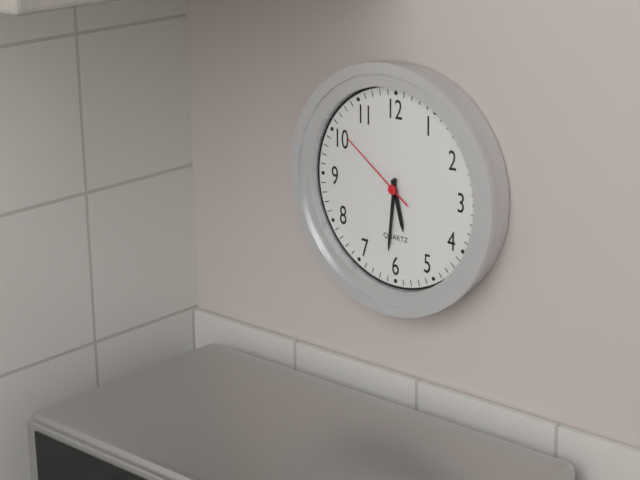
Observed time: 5:31:51
